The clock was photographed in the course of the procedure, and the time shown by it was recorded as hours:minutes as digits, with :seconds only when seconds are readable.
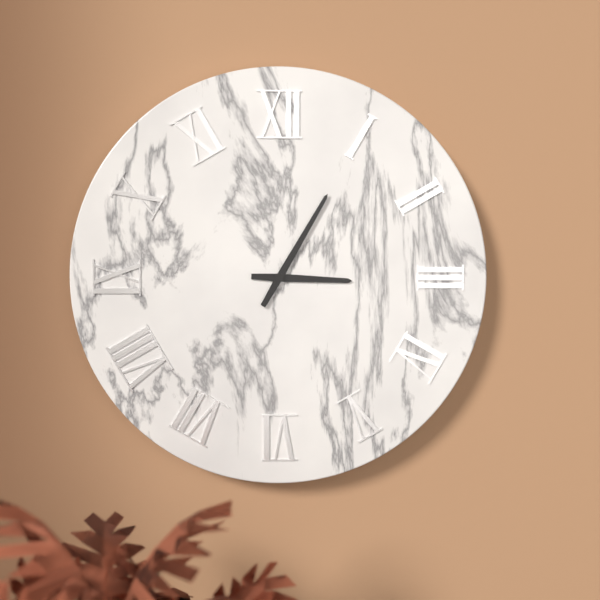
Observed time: 3:05
